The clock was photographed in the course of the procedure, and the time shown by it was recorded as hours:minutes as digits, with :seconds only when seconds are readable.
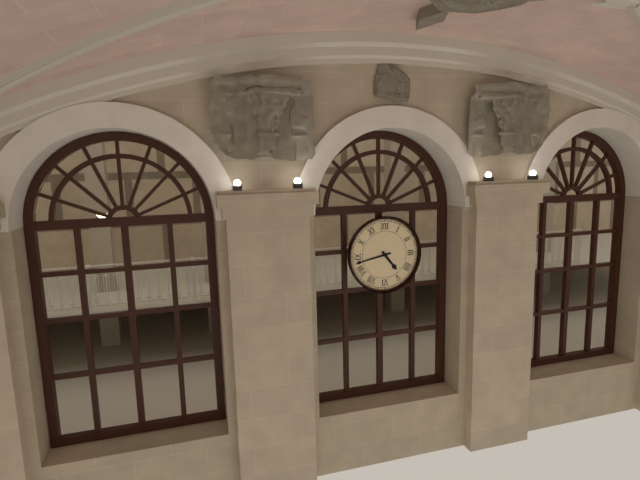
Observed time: 4:43
